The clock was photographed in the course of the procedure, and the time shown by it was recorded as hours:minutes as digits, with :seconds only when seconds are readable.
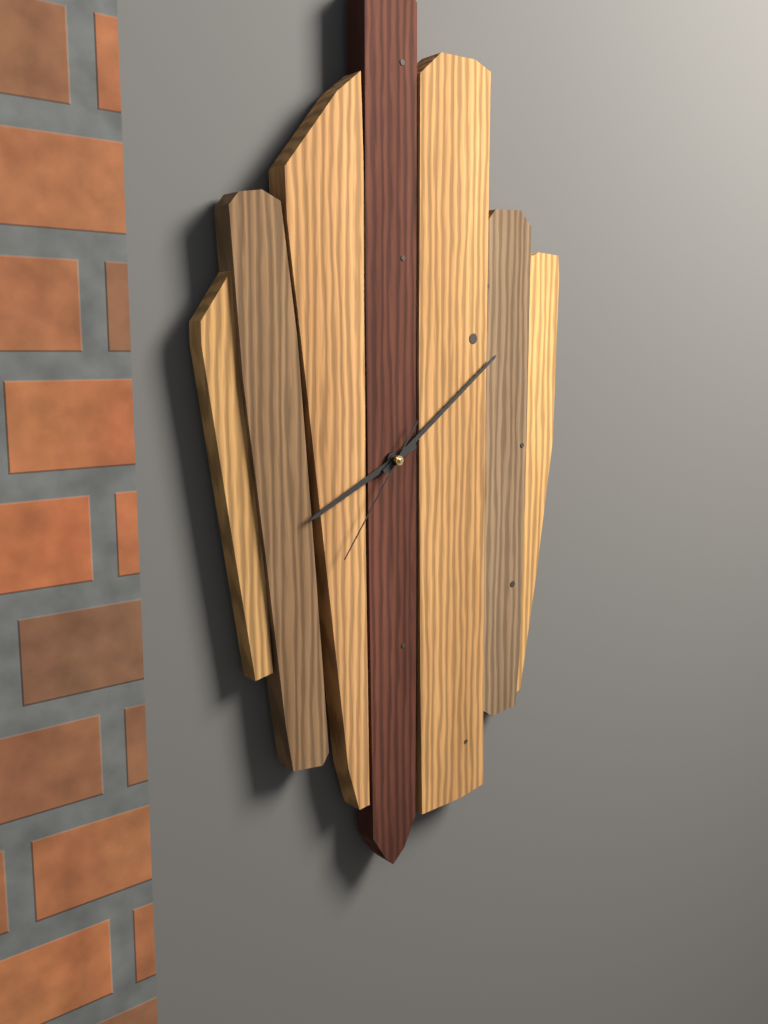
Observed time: 8:09:36
